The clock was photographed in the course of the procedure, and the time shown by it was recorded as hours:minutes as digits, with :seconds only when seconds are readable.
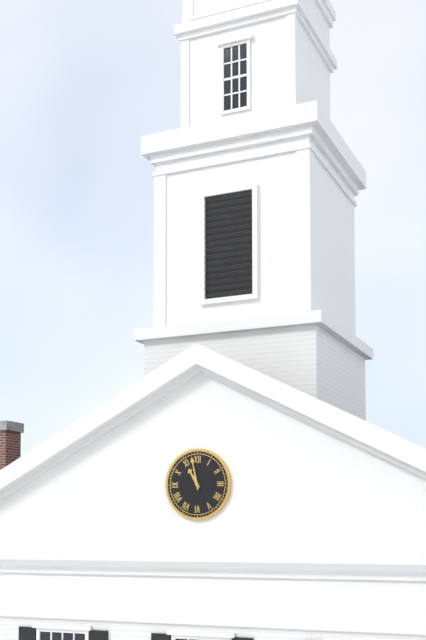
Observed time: 10:58
